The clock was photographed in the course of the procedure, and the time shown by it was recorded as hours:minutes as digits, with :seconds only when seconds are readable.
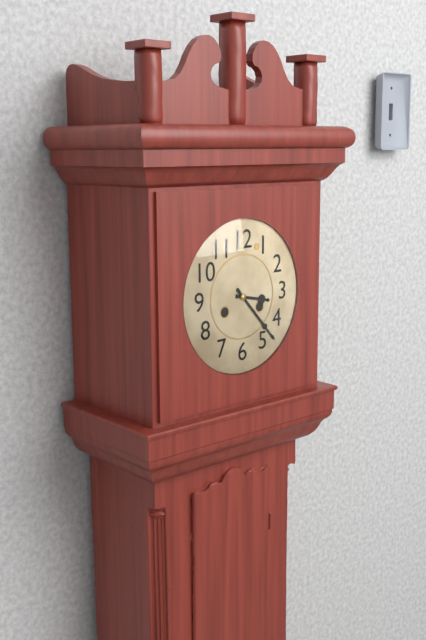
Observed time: 3:23
